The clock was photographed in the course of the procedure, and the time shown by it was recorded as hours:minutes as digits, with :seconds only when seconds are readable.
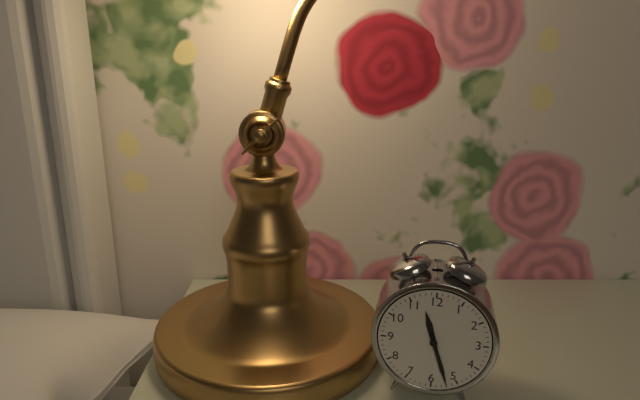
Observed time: 11:27
